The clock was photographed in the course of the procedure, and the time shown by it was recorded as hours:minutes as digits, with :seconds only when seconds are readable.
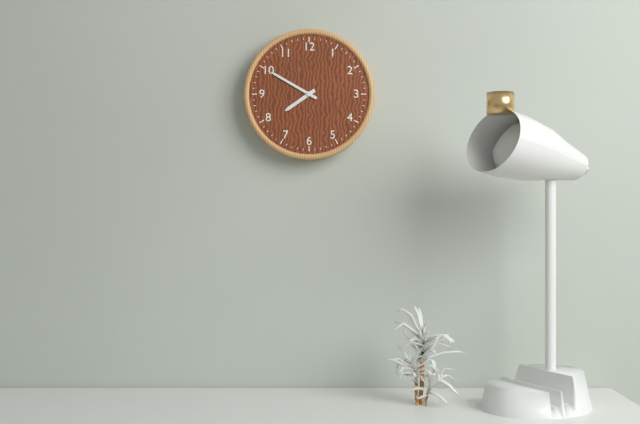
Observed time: 7:50
